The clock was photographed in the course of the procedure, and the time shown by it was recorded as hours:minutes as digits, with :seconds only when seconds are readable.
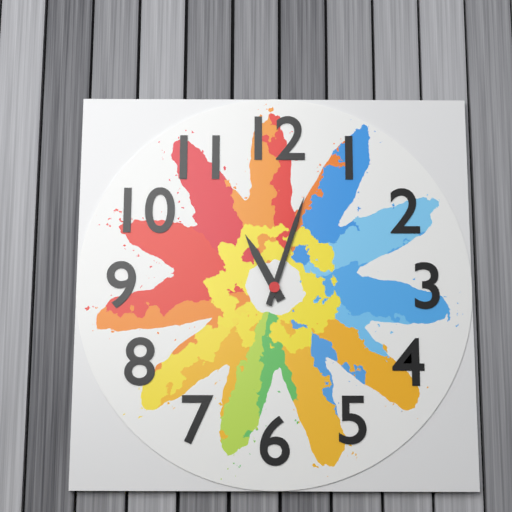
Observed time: 11:03
